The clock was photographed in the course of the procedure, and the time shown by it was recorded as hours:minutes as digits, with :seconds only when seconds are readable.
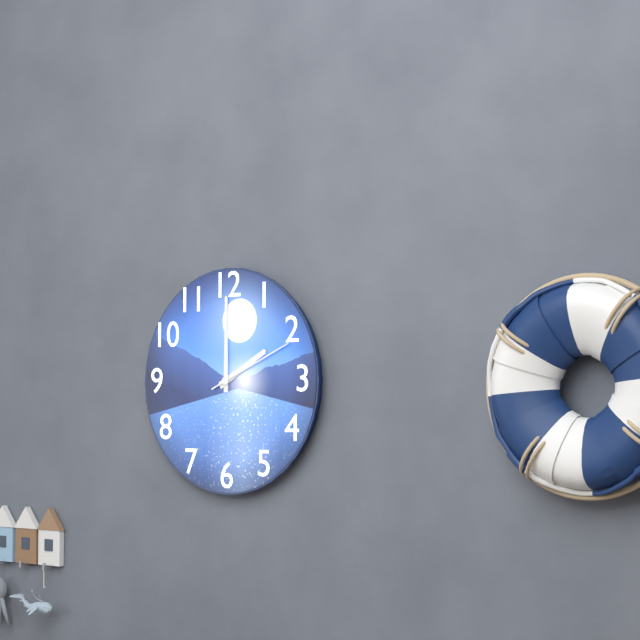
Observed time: 2:00:11
